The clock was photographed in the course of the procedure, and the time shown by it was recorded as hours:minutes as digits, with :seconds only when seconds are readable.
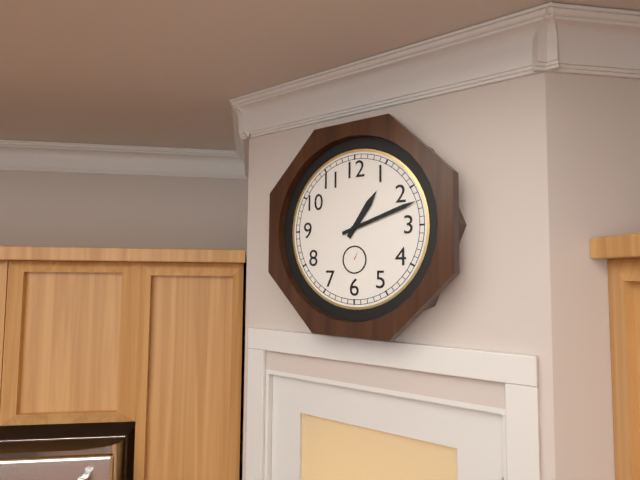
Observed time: 1:12
